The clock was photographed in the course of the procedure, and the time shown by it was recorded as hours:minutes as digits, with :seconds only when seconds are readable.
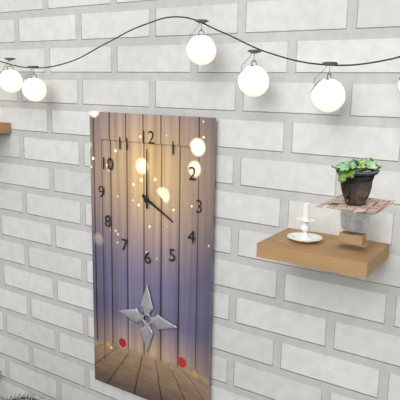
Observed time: 4:00
